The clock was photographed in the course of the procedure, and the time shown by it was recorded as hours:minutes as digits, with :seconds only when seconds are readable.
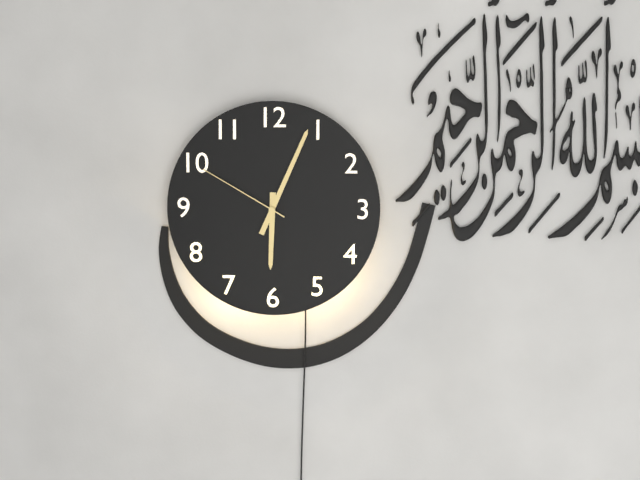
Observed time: 6:04:50
